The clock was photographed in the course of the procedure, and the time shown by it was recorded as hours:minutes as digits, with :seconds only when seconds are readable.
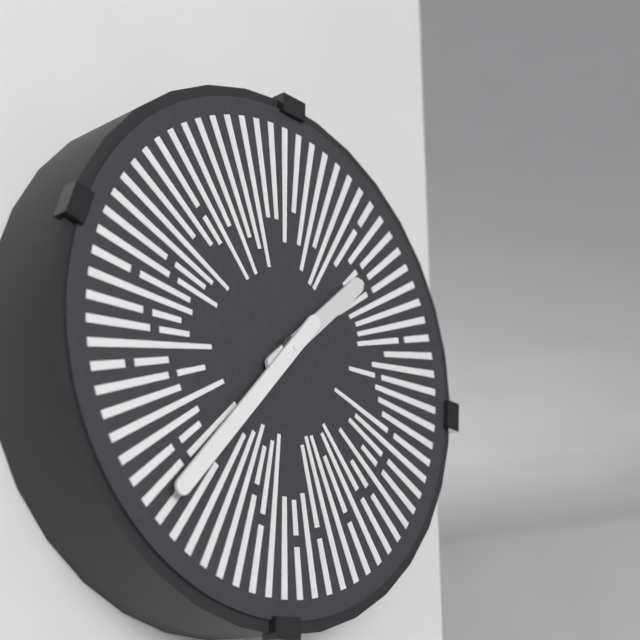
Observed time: 1:37
